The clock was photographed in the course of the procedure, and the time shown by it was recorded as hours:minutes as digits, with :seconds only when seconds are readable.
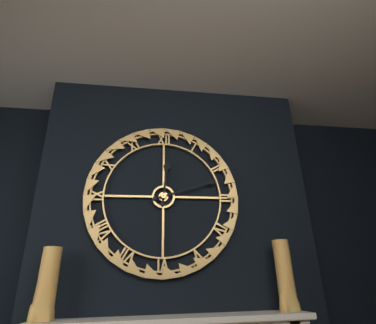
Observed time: 12:12
